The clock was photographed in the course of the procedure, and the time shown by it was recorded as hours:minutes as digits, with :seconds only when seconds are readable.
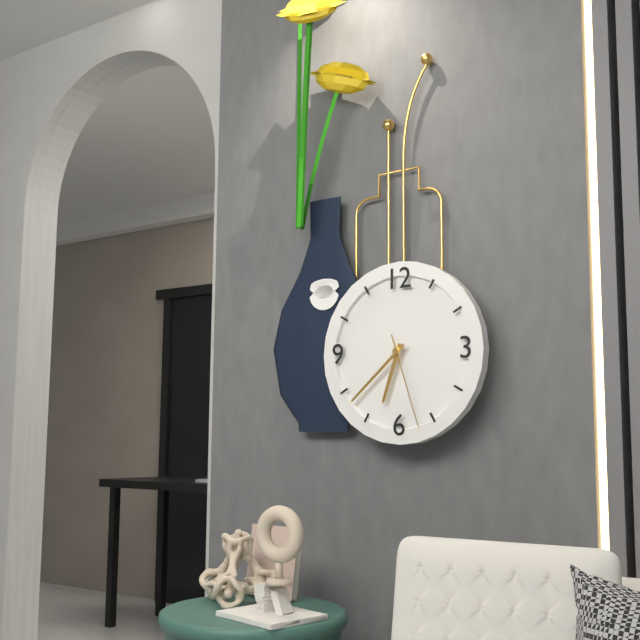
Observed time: 6:38:27
